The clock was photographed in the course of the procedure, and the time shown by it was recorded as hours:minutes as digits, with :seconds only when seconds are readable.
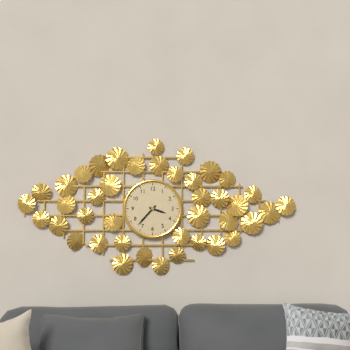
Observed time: 3:37
